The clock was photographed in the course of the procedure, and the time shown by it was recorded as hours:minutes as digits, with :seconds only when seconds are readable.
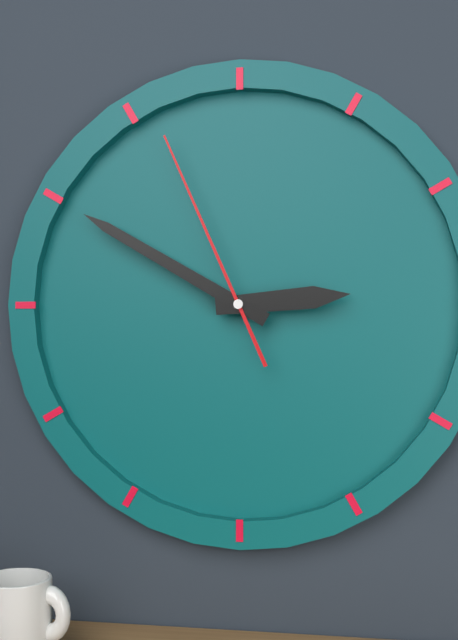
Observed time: 2:50:56
